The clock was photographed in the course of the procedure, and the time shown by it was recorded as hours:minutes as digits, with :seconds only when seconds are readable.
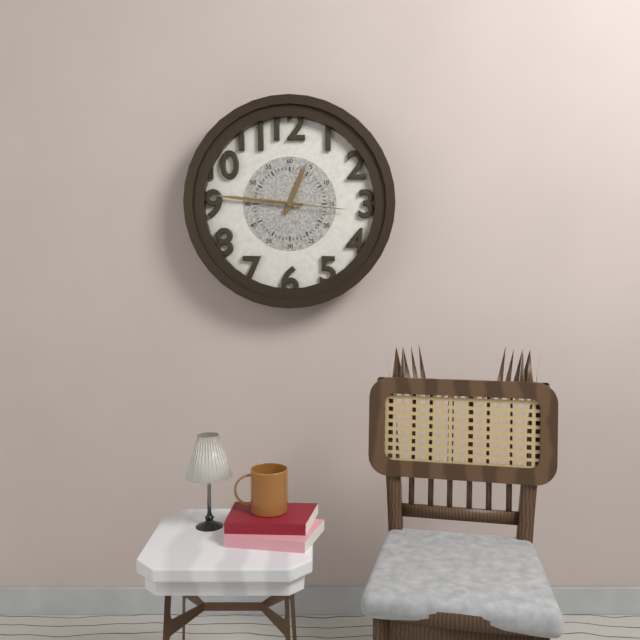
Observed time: 12:46:16
